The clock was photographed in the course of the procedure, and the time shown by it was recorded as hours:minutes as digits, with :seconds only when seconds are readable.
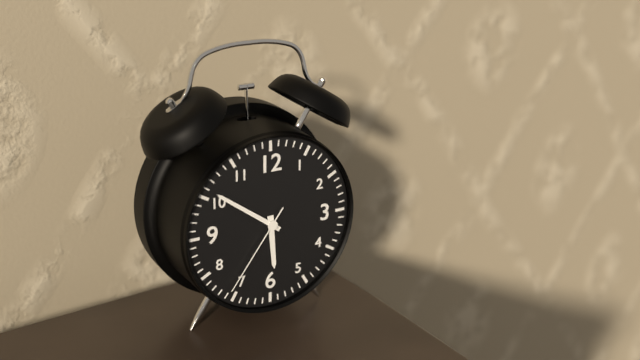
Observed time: 5:51:36
